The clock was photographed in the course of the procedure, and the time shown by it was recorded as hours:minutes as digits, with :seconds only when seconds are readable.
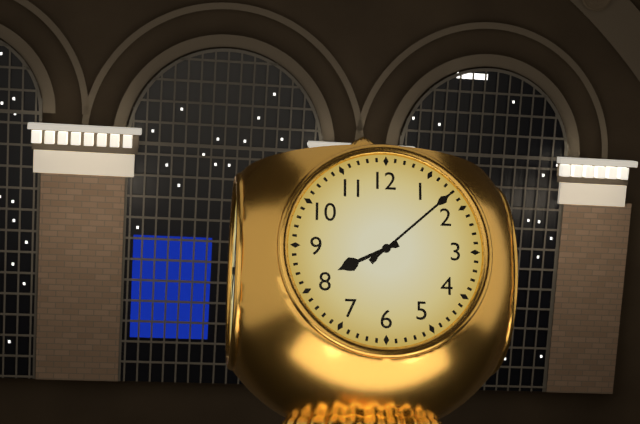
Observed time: 8:08
